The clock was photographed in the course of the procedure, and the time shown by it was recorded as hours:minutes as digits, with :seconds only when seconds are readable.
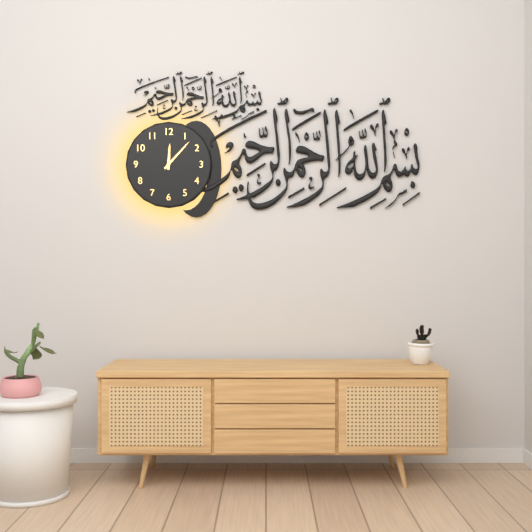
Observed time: 12:07
